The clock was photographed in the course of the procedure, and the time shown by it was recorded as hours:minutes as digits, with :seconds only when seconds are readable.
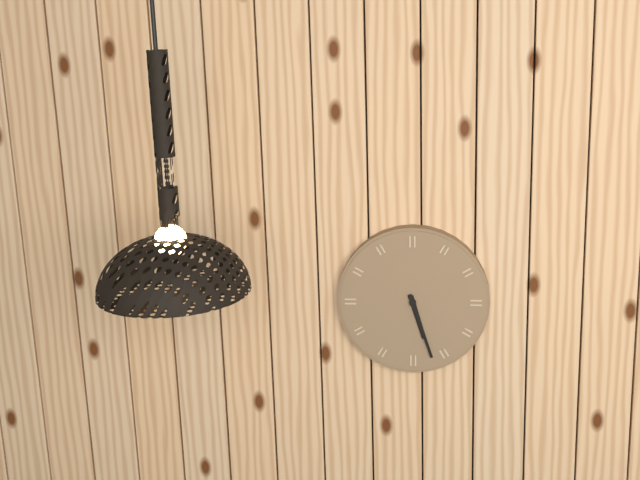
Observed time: 5:27
